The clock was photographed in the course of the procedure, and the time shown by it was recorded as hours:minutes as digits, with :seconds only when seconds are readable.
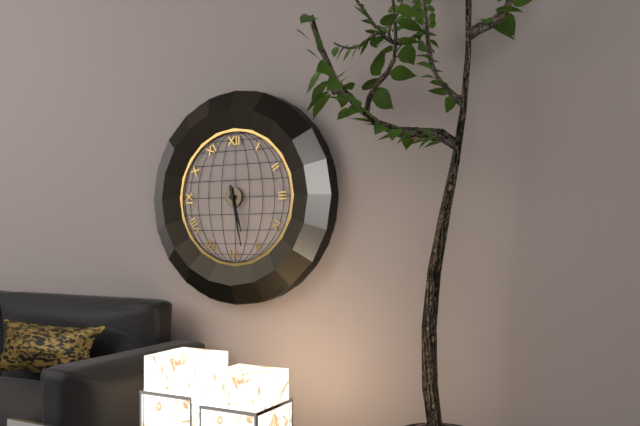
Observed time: 5:28
